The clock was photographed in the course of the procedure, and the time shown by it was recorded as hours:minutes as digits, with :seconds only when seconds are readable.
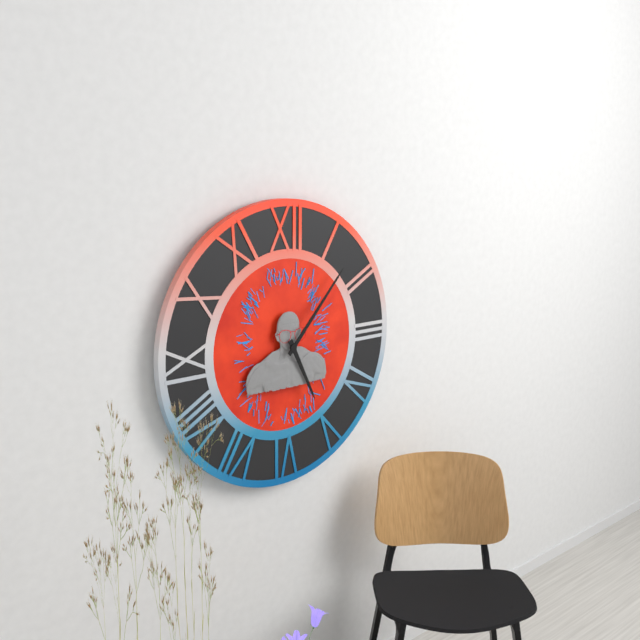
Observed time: 5:07
